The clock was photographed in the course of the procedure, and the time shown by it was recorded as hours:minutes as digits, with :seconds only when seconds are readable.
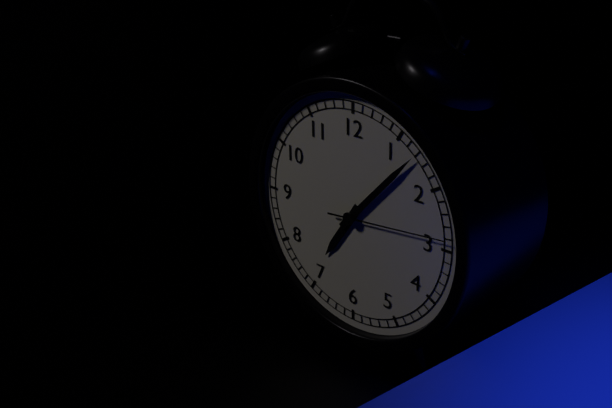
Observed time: 7:07:14
